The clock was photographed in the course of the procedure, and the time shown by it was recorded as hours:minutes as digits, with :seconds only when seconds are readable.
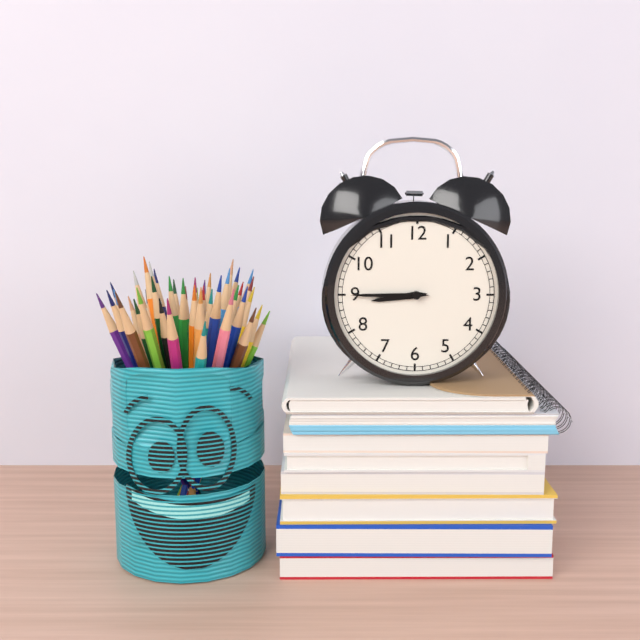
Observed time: 8:45
